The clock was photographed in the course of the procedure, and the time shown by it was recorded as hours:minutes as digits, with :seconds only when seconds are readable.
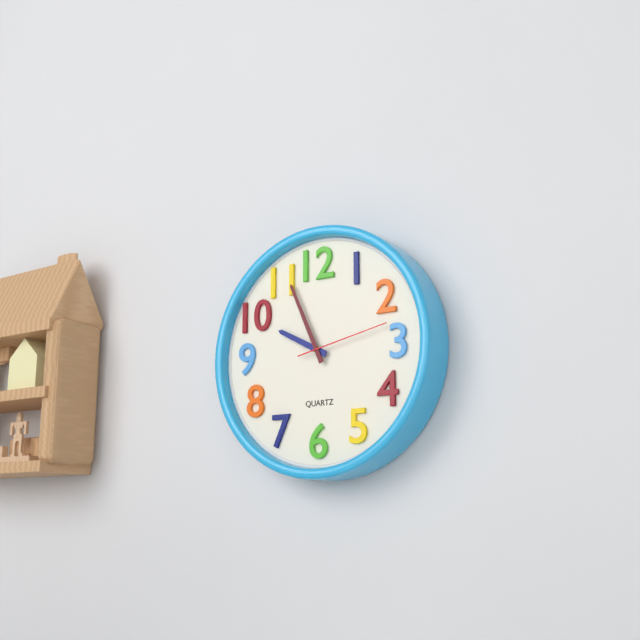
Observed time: 9:56:13
